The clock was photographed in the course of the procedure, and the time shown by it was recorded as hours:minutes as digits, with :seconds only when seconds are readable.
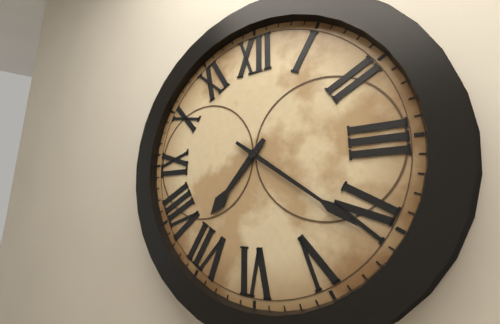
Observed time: 7:21
